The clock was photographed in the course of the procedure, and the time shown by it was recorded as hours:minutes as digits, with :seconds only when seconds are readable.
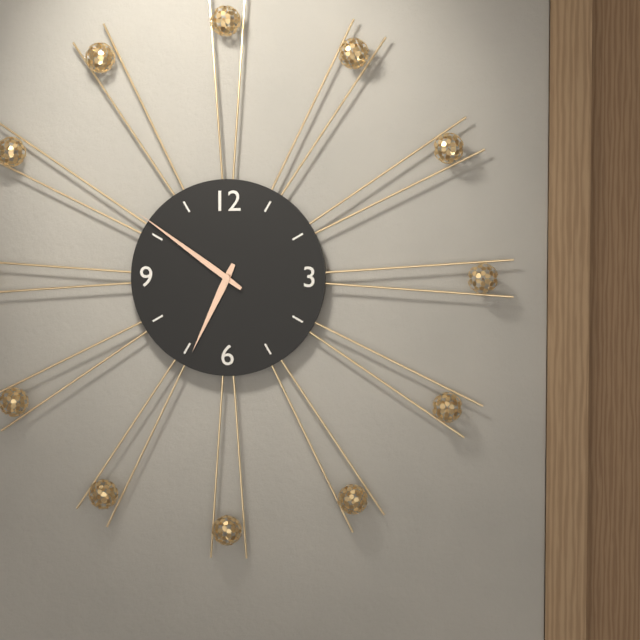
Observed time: 6:51
